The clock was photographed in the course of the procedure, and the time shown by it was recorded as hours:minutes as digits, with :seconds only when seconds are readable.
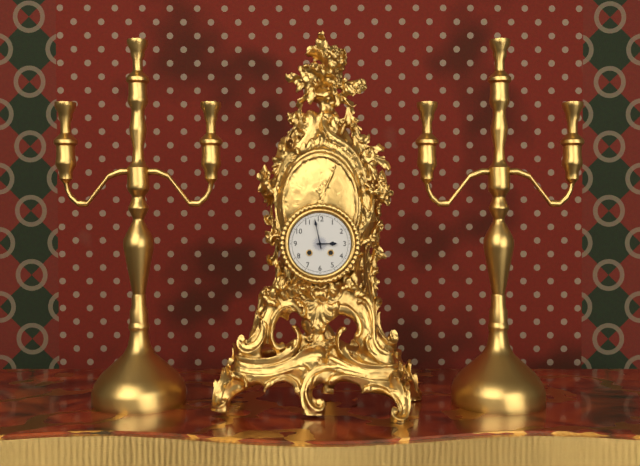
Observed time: 2:58
